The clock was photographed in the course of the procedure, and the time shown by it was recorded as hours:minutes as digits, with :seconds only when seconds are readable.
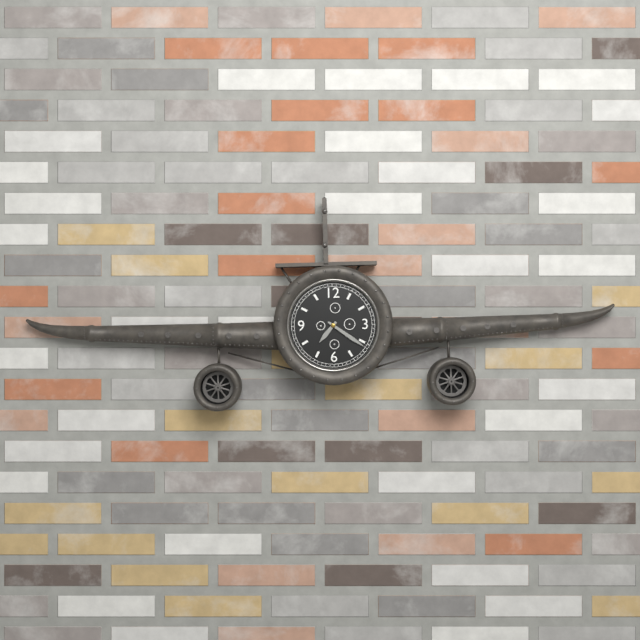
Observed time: 7:21
